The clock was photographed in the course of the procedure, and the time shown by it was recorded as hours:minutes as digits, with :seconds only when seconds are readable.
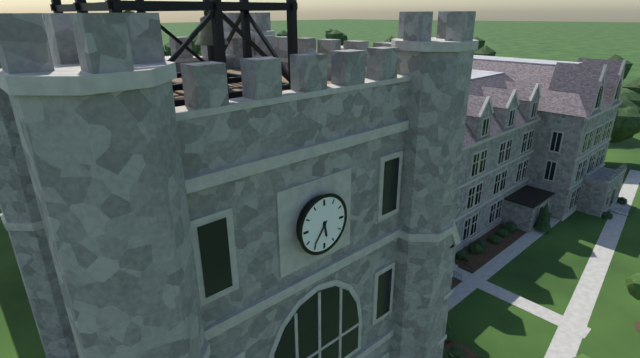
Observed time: 5:36
